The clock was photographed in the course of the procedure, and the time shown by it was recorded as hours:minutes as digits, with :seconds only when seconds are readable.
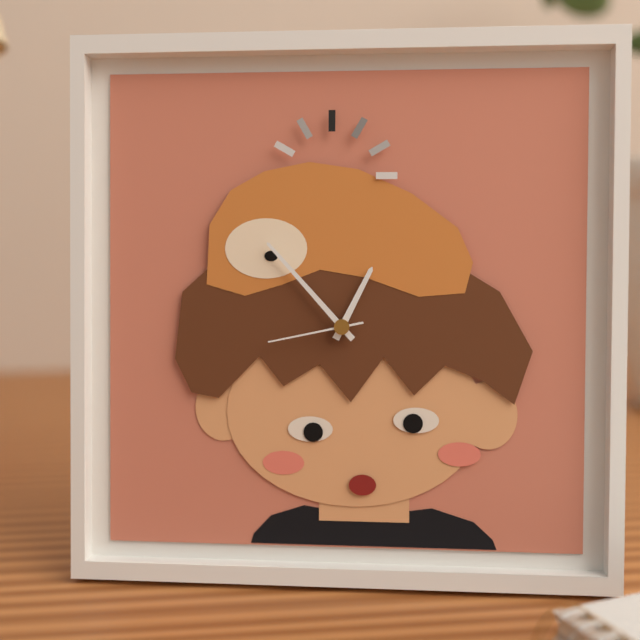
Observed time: 12:53:43
